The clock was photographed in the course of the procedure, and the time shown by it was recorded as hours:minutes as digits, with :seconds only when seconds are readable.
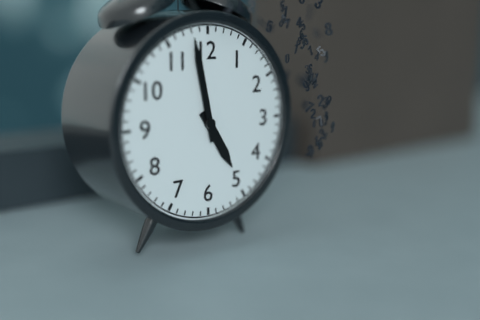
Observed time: 4:58
